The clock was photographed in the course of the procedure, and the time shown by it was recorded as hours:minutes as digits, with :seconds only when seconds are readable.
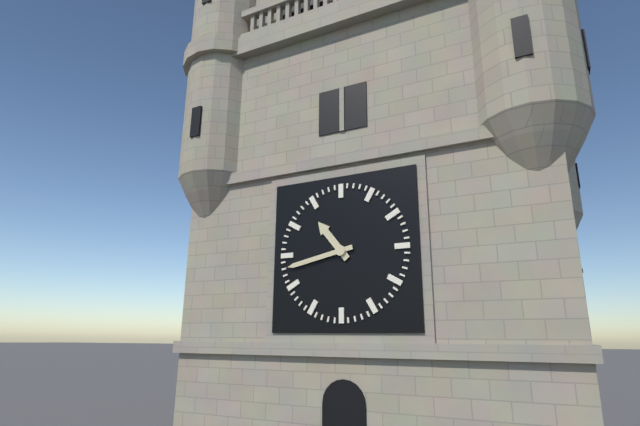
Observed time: 10:43
